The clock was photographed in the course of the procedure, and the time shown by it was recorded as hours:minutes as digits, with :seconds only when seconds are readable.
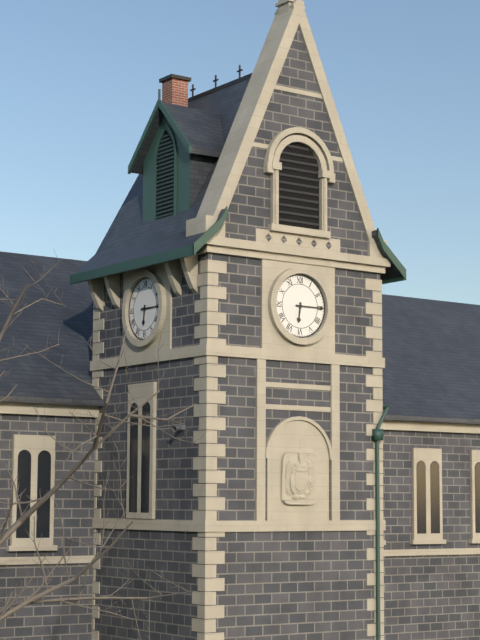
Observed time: 6:15
